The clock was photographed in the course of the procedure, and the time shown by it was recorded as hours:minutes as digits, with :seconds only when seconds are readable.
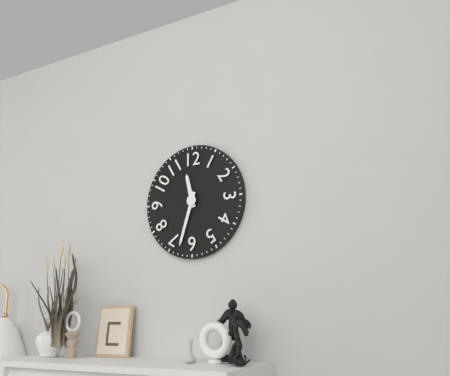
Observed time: 11:33
